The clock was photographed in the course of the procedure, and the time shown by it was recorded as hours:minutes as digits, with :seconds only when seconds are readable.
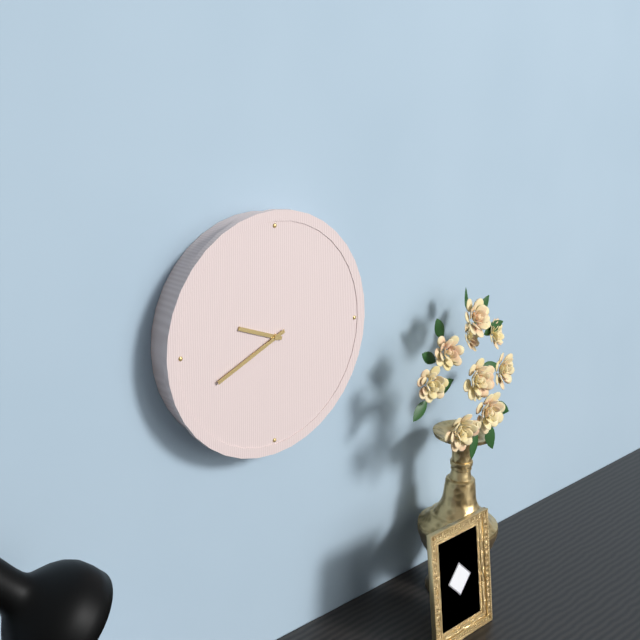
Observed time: 9:41
